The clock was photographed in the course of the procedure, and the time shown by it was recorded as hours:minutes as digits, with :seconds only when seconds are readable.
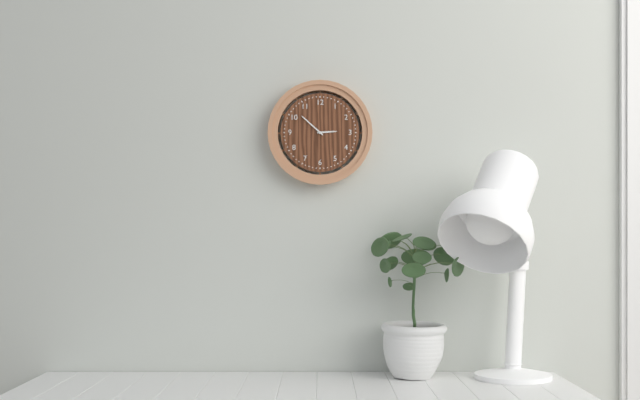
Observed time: 2:52
